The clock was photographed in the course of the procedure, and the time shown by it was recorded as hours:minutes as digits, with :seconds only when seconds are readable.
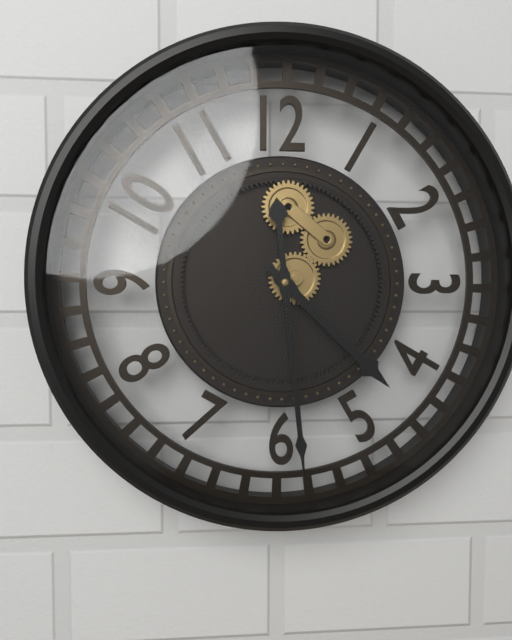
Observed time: 4:29
